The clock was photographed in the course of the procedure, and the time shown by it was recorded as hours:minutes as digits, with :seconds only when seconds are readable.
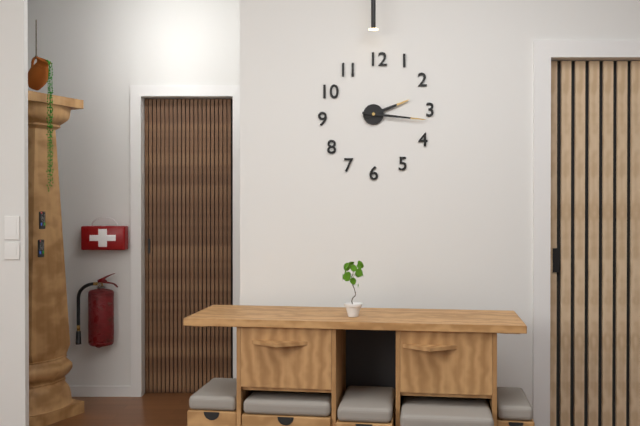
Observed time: 2:16
